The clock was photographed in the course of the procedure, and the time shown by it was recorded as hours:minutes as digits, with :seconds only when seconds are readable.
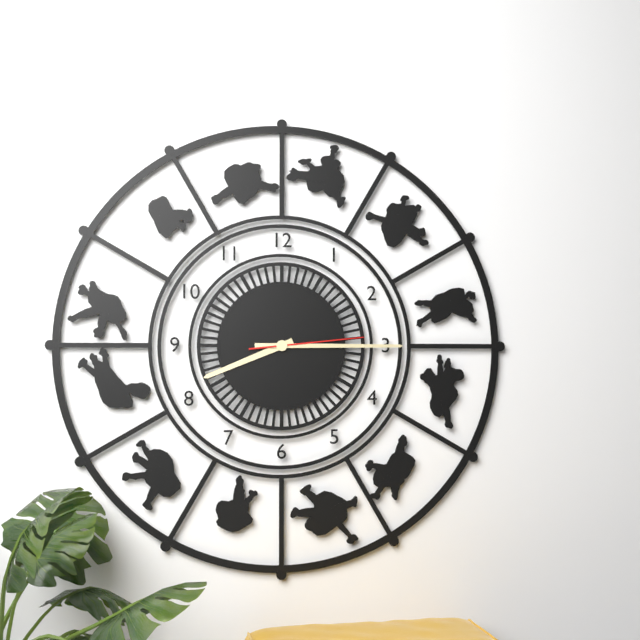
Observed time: 8:15:14
